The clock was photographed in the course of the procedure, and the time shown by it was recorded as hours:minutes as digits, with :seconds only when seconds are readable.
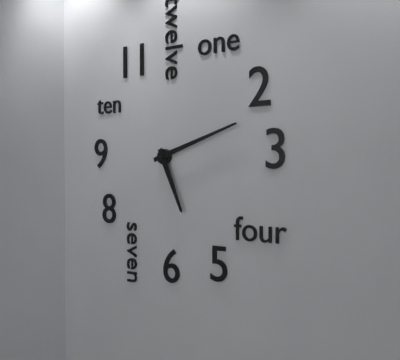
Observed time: 5:12
